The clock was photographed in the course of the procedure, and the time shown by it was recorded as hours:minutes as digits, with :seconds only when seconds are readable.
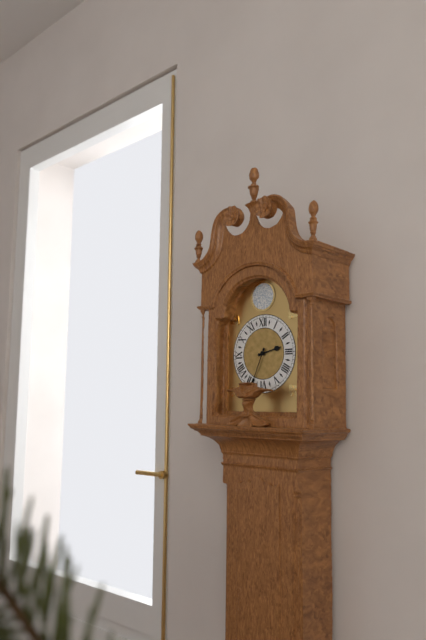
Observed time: 2:34
